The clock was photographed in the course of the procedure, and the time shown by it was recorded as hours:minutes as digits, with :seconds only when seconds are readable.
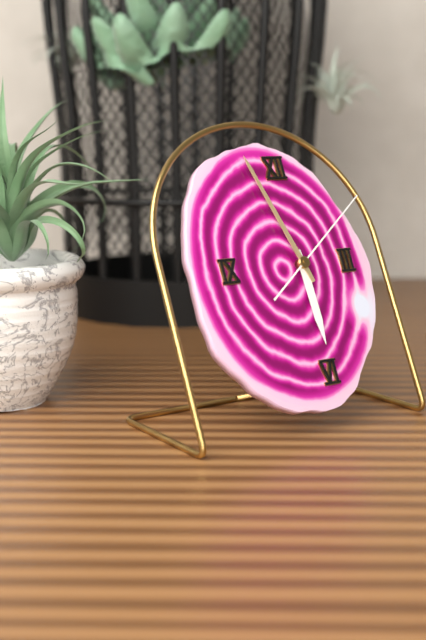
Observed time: 5:57:09
